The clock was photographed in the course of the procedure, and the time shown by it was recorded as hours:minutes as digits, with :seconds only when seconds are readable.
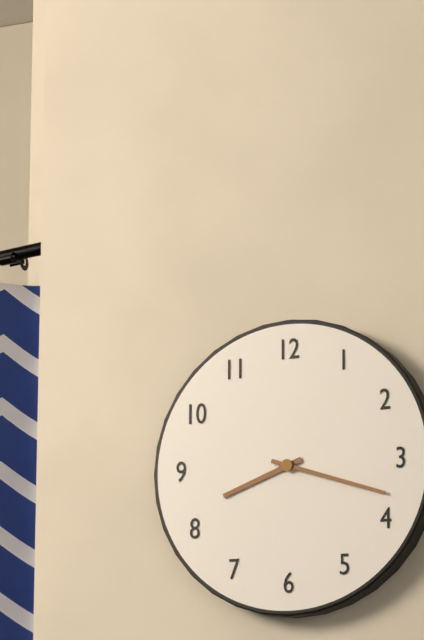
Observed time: 8:18
